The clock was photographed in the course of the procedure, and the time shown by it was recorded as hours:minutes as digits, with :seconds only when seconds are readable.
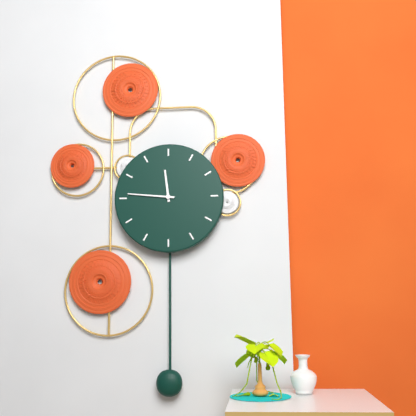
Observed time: 11:46
